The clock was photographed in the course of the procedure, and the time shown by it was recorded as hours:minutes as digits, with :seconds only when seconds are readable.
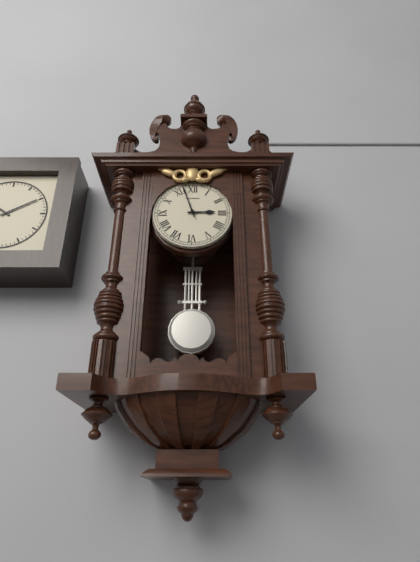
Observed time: 2:57
